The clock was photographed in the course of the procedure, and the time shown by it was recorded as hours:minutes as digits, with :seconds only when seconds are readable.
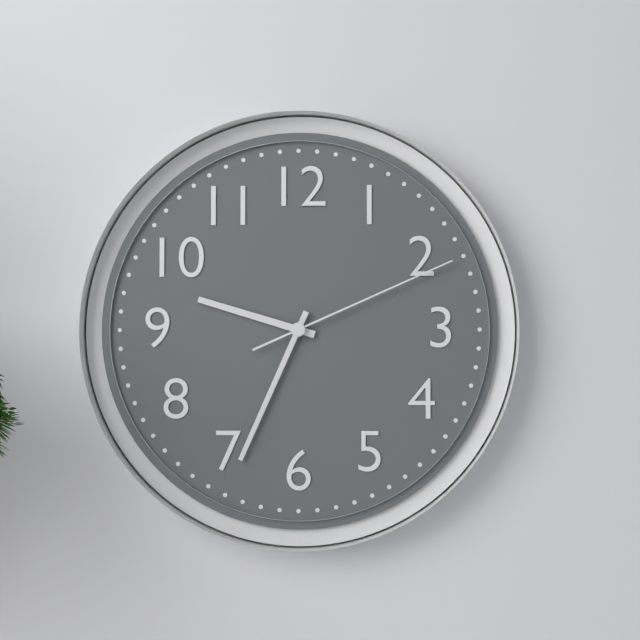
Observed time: 9:34:11
